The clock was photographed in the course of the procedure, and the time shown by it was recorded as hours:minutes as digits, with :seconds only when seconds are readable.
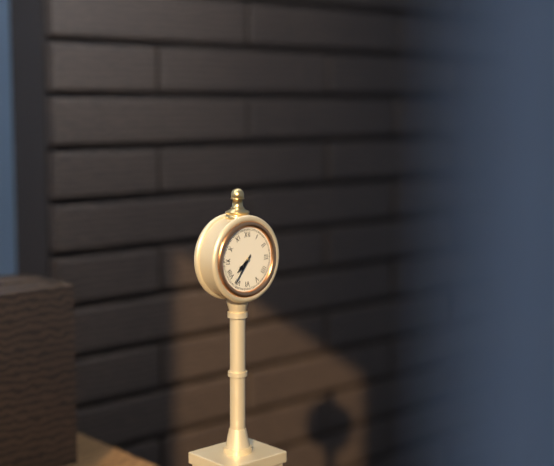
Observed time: 7:36
